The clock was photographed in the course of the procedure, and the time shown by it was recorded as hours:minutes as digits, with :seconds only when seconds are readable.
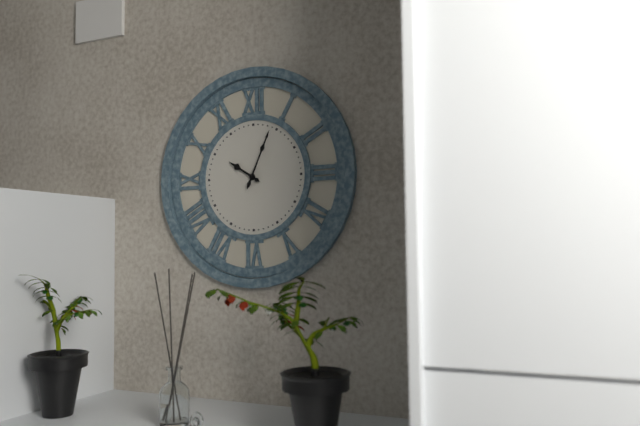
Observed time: 10:04
